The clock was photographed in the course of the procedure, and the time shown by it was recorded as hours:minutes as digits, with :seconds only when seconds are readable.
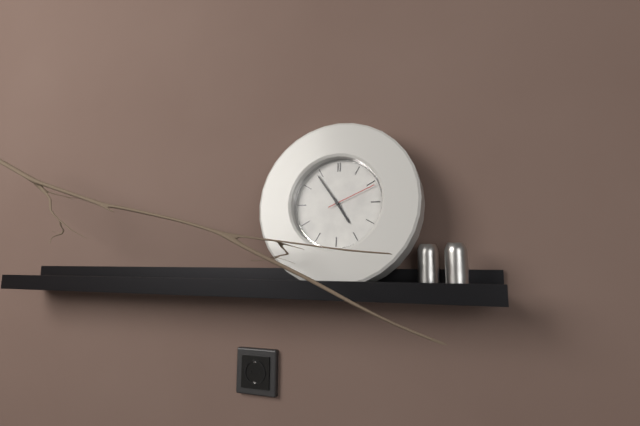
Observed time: 4:54:11
